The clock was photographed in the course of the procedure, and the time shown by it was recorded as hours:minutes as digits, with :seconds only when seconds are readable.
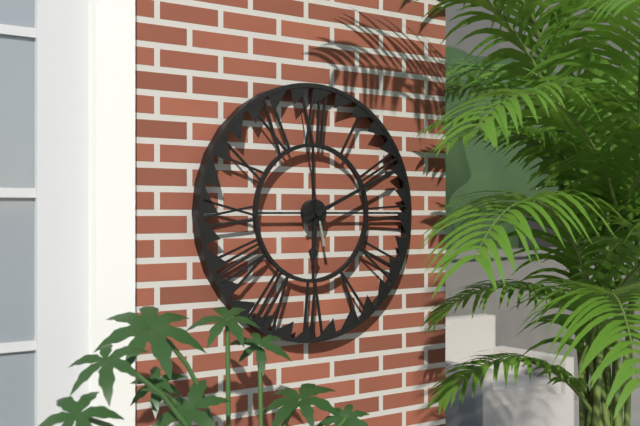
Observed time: 6:11:58
